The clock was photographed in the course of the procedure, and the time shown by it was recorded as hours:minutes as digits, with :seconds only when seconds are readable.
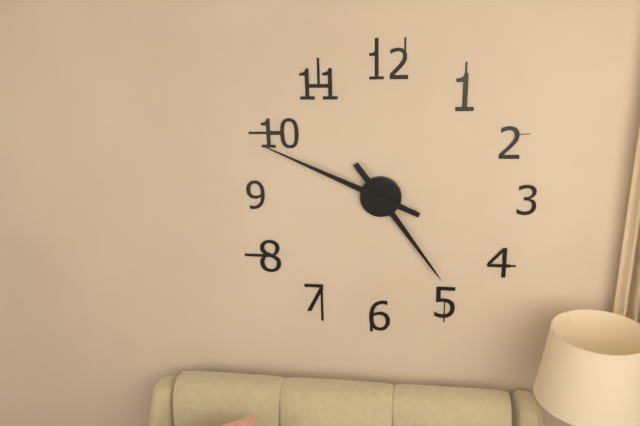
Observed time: 4:49
